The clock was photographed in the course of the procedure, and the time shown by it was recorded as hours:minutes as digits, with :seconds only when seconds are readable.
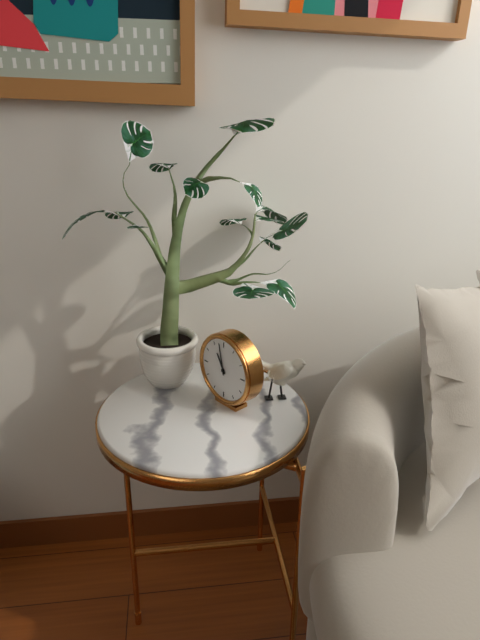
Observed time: 10:58
